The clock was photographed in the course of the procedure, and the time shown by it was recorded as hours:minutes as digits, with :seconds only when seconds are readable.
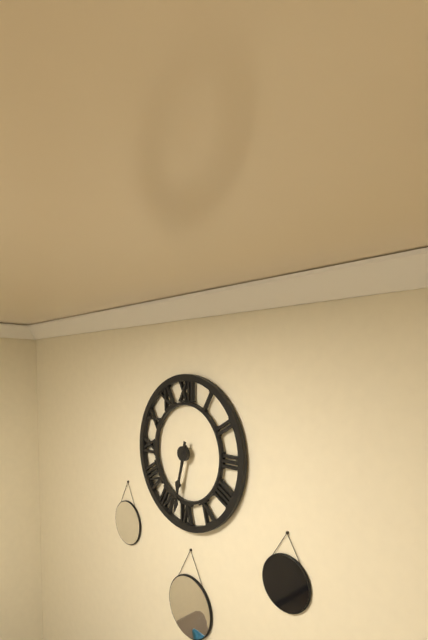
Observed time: 6:32
